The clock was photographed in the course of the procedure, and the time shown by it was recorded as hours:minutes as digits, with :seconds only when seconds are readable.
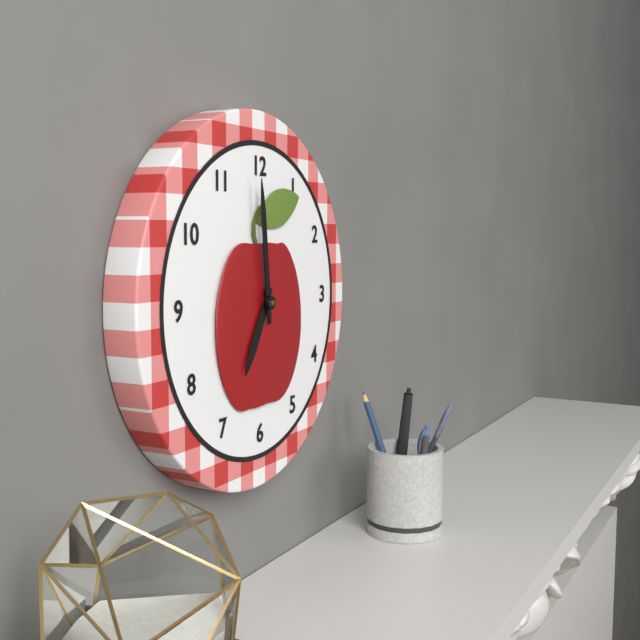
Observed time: 6:59
